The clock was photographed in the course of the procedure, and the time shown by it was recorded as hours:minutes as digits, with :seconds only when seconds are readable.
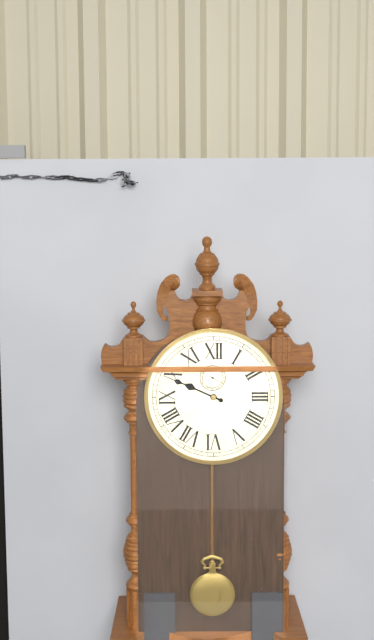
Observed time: 9:49
